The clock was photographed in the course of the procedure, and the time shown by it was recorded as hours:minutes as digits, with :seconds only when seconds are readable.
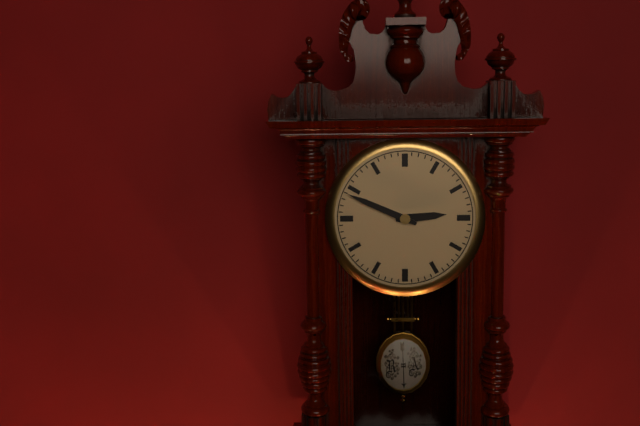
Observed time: 2:49
